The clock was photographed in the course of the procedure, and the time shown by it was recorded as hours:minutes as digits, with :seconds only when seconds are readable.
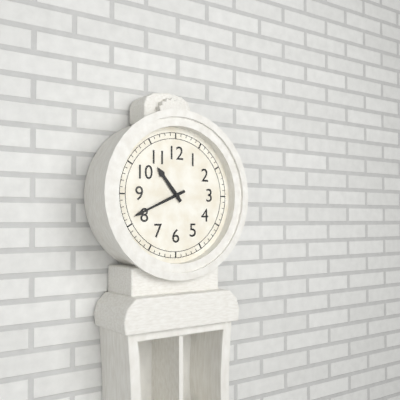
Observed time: 10:41
